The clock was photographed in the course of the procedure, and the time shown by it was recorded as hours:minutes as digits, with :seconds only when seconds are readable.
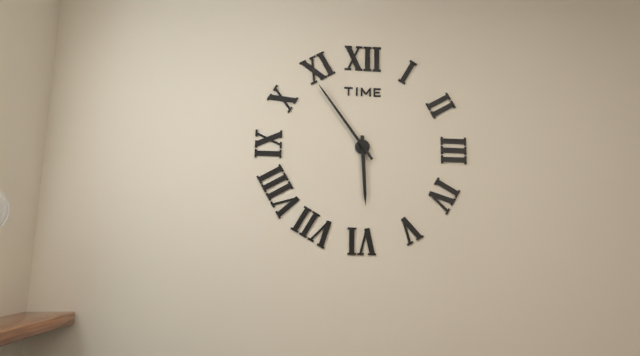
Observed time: 5:54
